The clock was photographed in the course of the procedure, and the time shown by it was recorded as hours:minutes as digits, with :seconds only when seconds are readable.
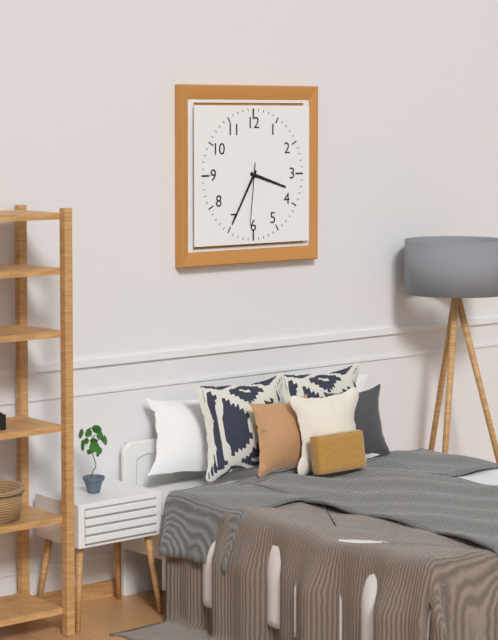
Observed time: 3:35:31
